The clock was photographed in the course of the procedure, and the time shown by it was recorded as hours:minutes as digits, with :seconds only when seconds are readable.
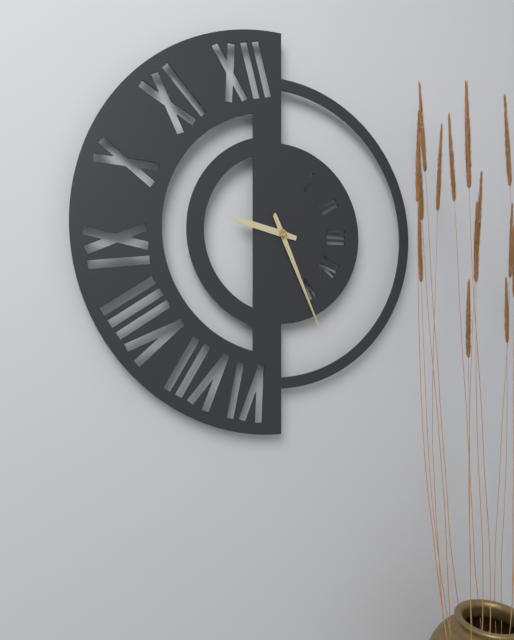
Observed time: 9:26:26
